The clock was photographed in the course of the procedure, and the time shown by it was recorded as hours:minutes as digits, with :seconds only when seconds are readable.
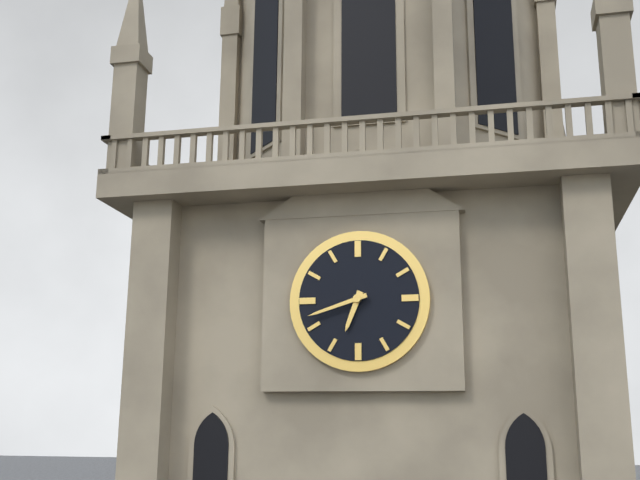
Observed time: 6:42
